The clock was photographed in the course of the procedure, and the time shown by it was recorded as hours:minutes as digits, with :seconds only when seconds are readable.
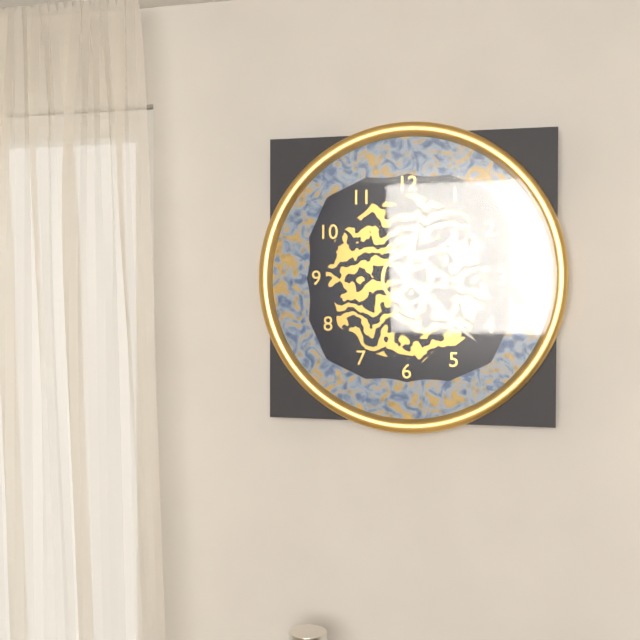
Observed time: 12:22
